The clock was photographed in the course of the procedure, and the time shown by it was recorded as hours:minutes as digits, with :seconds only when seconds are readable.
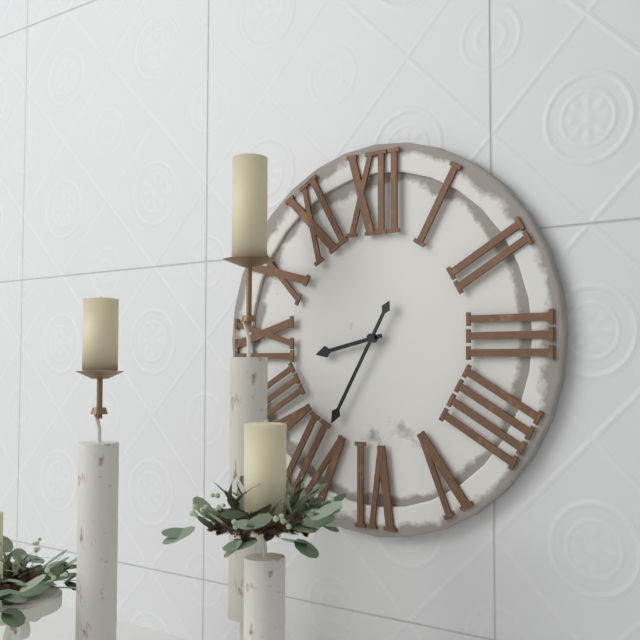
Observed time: 8:35
